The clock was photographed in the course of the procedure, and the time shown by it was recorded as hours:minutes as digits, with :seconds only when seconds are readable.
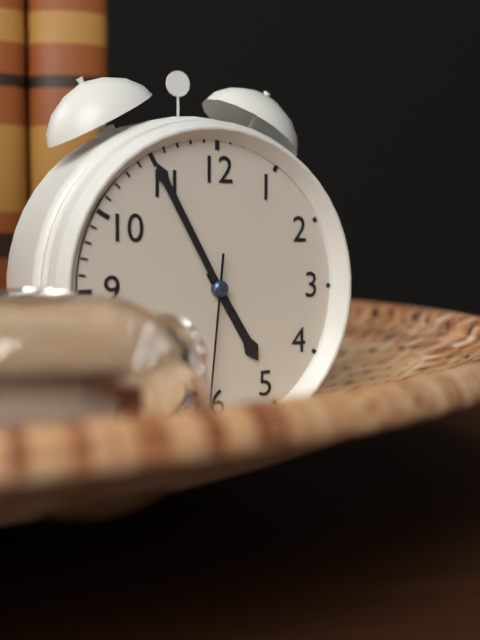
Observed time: 4:55:31
